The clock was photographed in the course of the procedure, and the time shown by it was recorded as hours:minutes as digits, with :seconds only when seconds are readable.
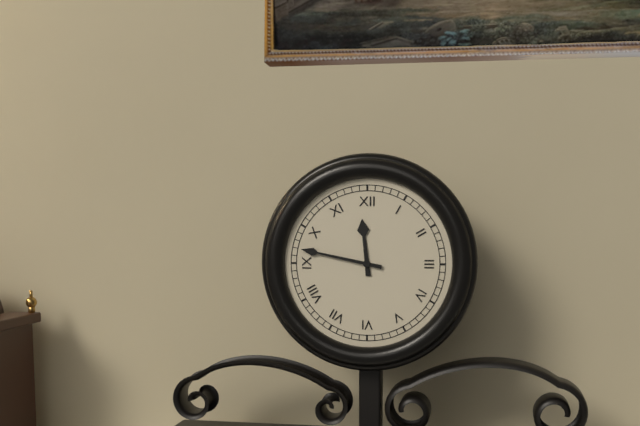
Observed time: 11:47
